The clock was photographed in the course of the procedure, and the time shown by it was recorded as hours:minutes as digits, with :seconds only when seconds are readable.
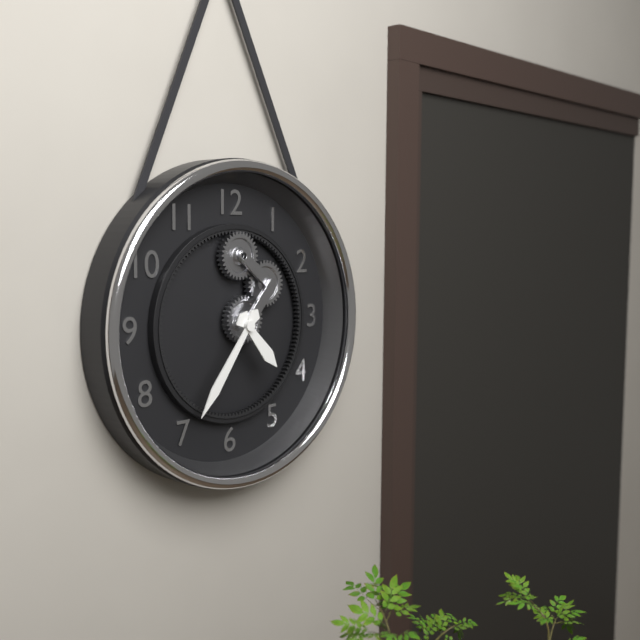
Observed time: 4:36
